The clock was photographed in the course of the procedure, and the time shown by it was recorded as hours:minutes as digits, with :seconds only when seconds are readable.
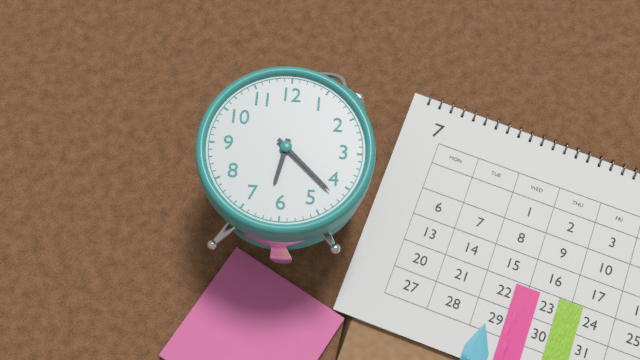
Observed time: 6:22
